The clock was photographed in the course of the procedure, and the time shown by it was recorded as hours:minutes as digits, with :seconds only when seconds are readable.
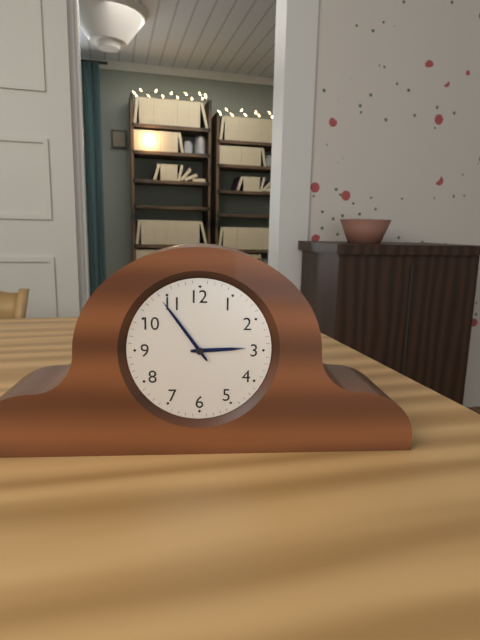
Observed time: 2:54
